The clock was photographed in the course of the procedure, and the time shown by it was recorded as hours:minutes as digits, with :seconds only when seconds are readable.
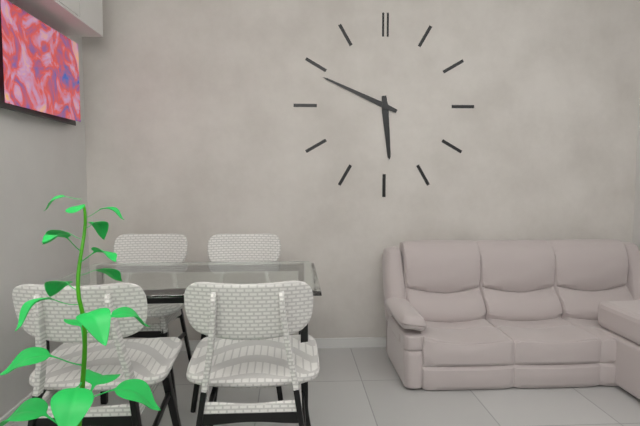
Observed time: 5:49
